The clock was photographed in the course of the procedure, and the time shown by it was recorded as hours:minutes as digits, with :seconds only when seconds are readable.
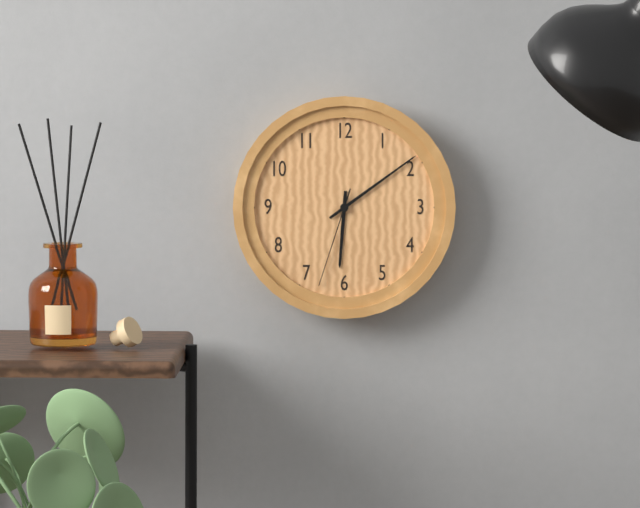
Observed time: 6:09:33
